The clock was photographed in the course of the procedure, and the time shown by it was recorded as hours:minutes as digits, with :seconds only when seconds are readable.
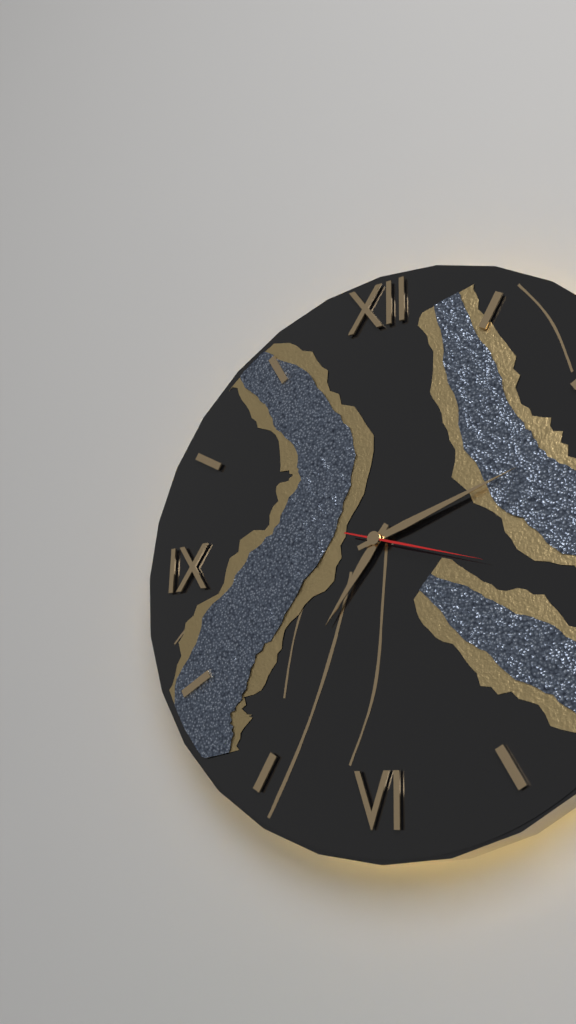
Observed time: 7:12:18
